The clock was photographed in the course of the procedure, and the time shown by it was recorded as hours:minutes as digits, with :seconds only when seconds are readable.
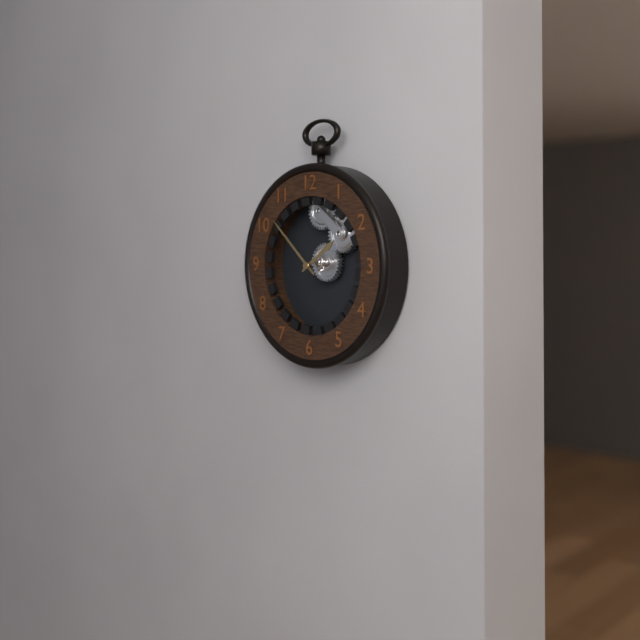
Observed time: 1:52
